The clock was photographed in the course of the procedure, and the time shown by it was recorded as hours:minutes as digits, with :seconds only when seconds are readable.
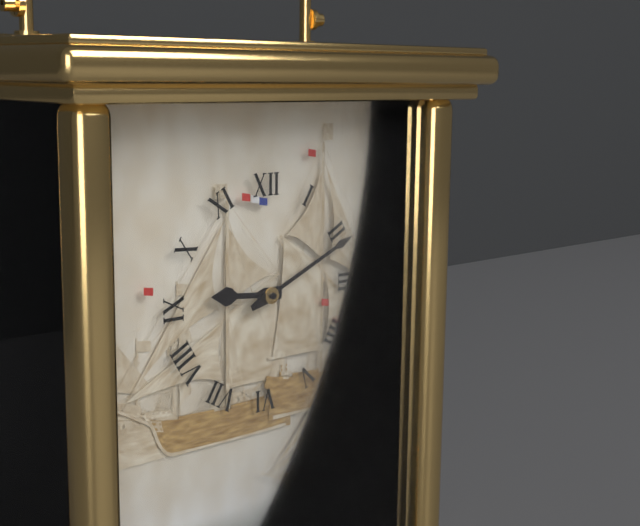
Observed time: 9:11
